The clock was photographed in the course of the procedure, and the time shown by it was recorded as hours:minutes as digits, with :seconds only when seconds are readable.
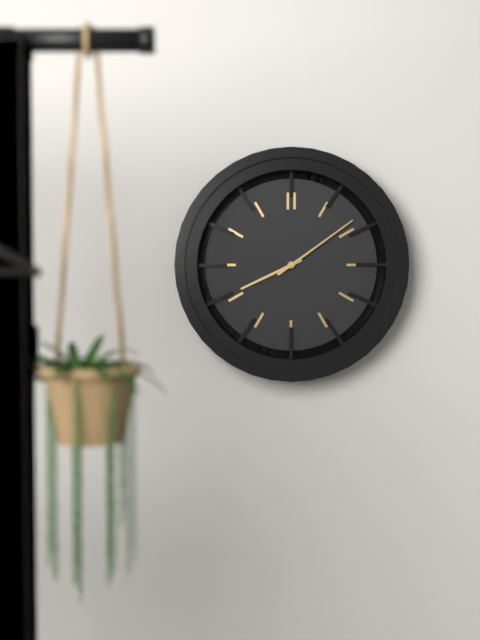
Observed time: 8:09
